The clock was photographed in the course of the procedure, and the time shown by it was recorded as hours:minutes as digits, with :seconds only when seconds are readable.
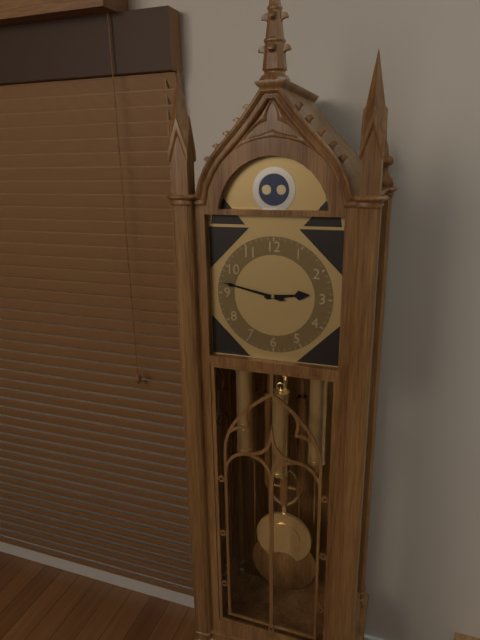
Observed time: 2:47
